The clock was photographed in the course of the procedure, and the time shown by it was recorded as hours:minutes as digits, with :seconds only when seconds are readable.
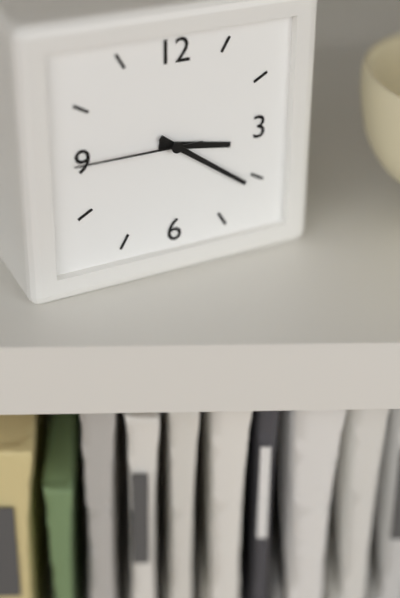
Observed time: 3:21:45
